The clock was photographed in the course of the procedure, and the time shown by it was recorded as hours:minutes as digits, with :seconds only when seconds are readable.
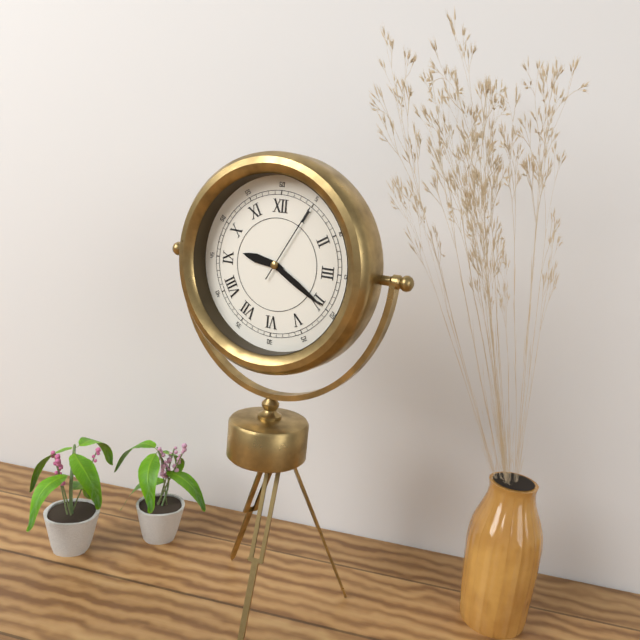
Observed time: 9:20:05
